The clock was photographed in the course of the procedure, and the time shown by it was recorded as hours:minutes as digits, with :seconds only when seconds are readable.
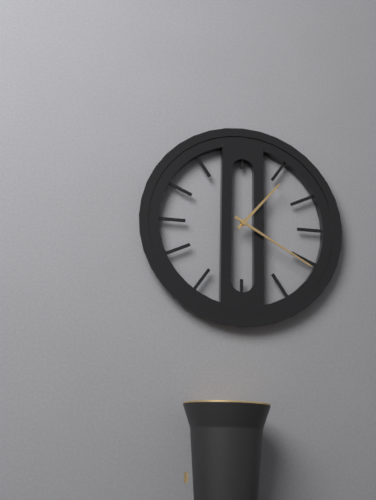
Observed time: 1:20
